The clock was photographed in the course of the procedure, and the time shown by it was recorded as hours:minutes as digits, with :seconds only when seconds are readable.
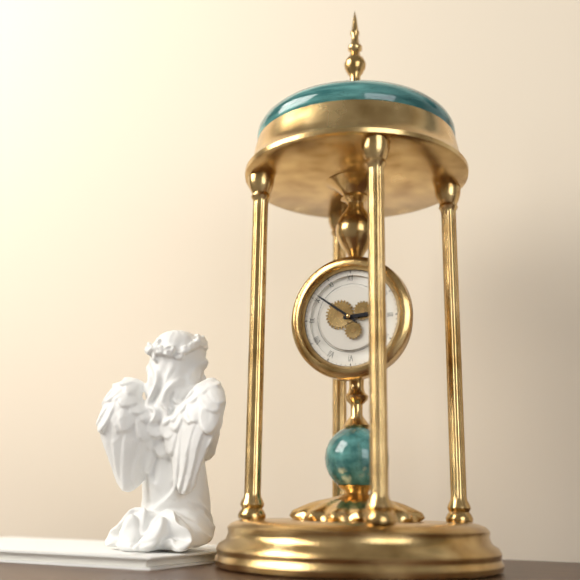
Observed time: 2:51
